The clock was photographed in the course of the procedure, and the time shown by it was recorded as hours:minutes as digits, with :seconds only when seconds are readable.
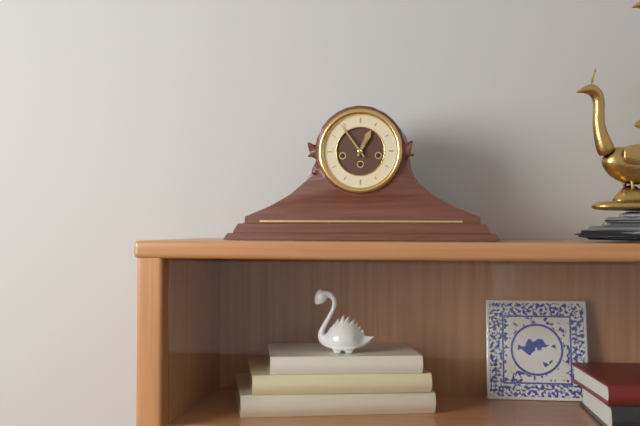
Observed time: 12:54
